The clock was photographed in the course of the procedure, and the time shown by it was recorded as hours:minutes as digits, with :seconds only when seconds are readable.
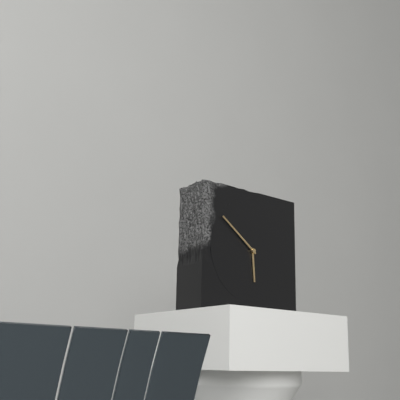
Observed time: 5:51
